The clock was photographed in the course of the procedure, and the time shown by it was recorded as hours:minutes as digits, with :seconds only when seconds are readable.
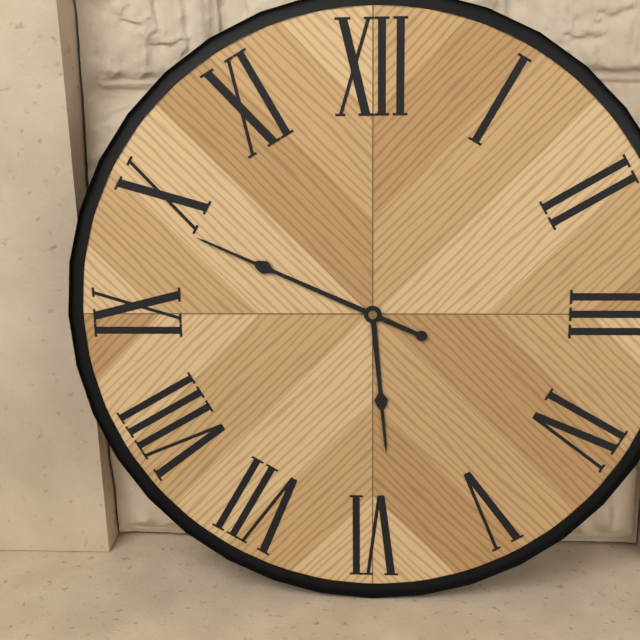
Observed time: 5:49
